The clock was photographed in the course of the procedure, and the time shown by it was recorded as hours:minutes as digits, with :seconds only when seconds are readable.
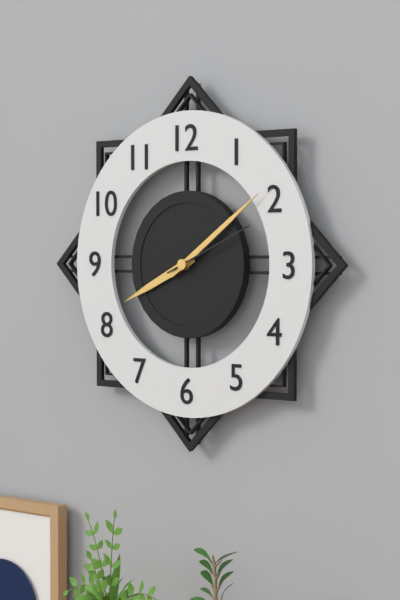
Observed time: 8:09:11
